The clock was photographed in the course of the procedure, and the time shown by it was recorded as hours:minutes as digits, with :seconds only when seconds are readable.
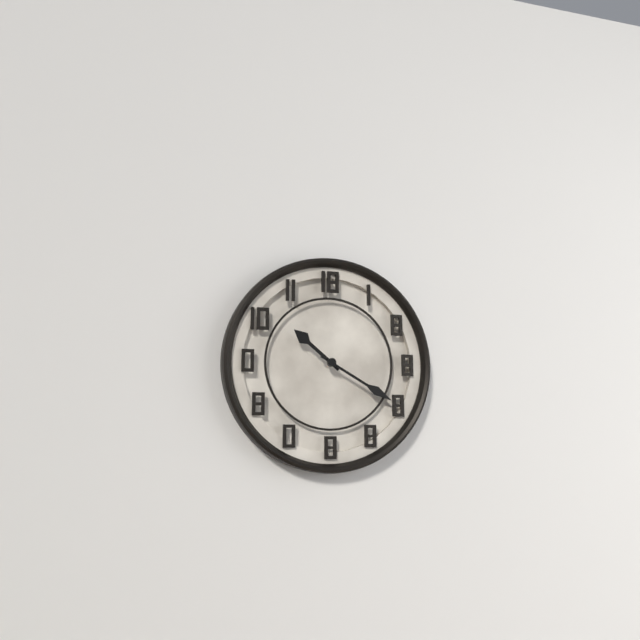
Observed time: 10:20
